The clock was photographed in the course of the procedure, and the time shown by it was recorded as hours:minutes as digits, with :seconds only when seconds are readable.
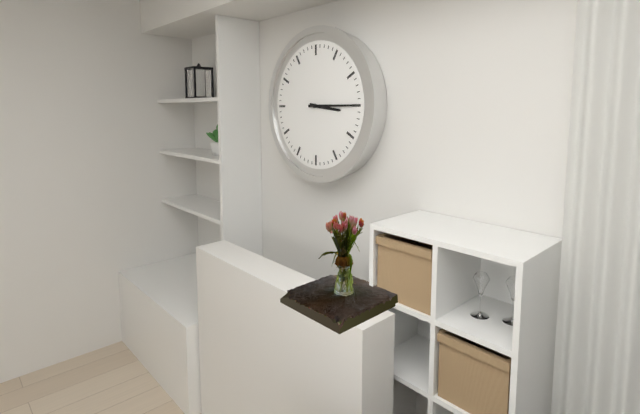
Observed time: 3:15
